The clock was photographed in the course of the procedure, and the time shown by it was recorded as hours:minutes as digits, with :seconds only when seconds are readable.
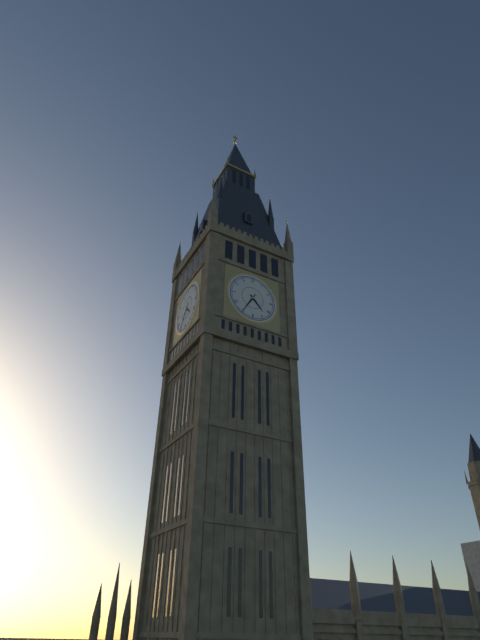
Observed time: 4:35
